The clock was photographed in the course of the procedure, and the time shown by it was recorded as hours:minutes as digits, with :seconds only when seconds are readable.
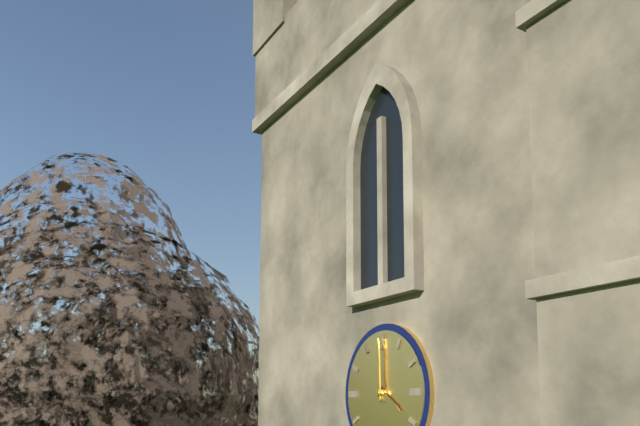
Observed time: 4:00
